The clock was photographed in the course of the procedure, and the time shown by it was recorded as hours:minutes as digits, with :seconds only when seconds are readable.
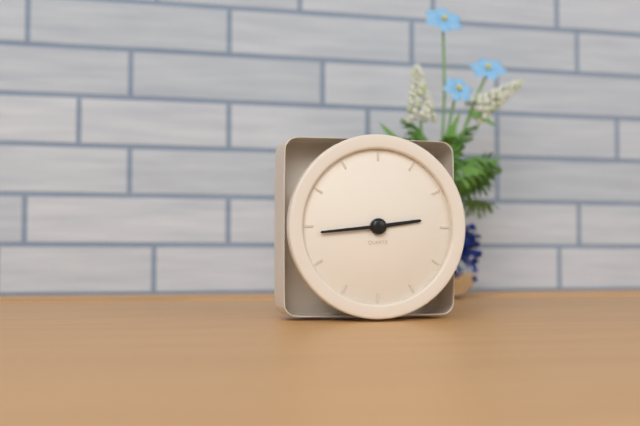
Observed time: 2:44
